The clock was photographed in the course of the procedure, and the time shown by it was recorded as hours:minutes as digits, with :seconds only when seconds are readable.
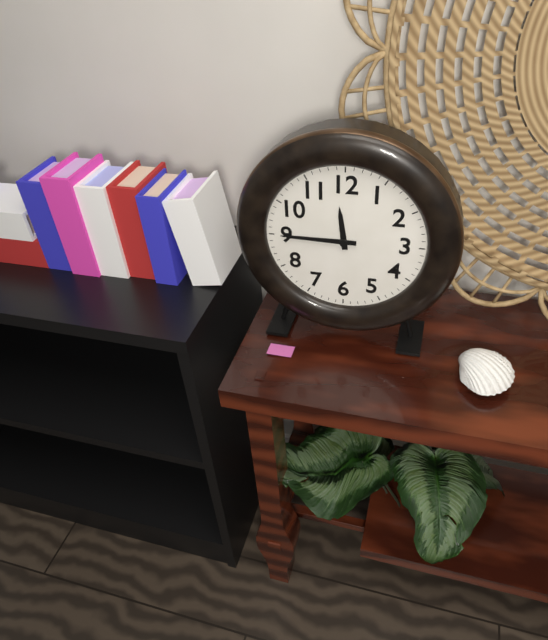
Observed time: 11:45
